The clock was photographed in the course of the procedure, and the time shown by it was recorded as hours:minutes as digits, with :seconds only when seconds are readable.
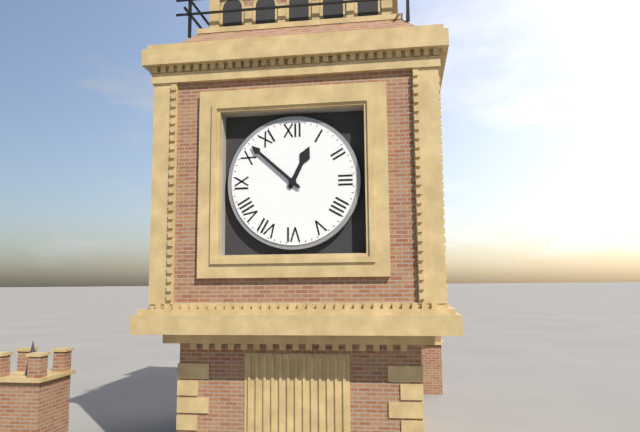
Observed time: 12:52
